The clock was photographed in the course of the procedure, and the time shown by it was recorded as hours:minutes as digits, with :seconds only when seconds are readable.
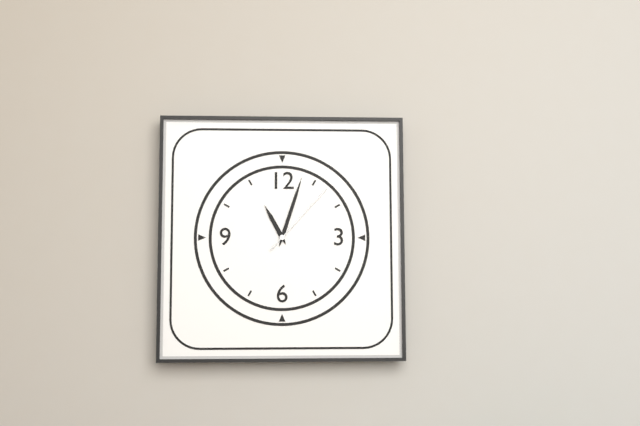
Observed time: 11:03:07
